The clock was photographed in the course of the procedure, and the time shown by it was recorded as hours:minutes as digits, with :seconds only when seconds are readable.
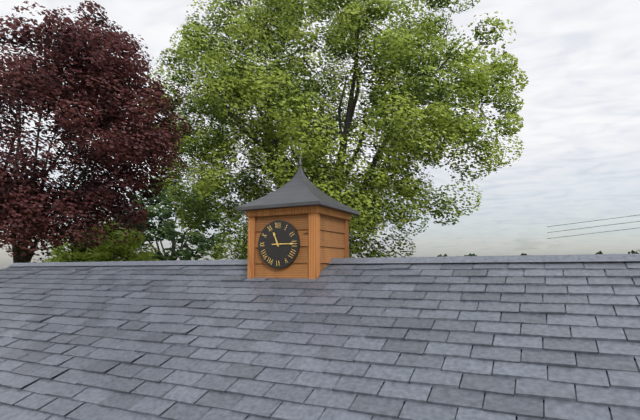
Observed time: 11:15
